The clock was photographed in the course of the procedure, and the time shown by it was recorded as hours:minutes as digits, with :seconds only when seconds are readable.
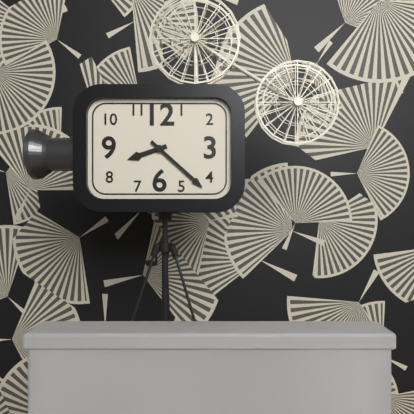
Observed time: 8:22
